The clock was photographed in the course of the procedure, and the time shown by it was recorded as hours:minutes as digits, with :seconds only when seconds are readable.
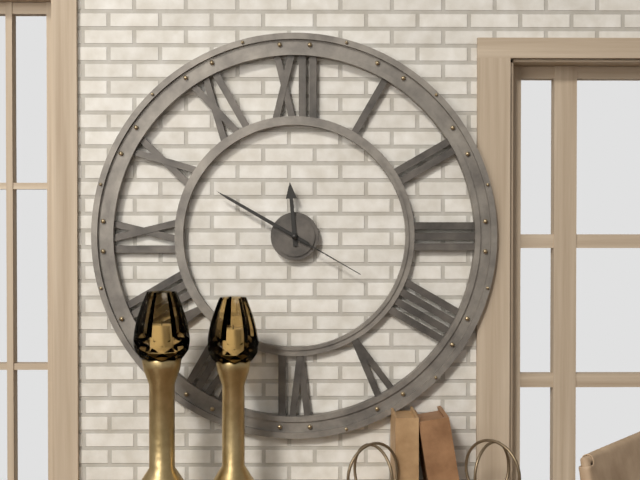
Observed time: 11:50:20
